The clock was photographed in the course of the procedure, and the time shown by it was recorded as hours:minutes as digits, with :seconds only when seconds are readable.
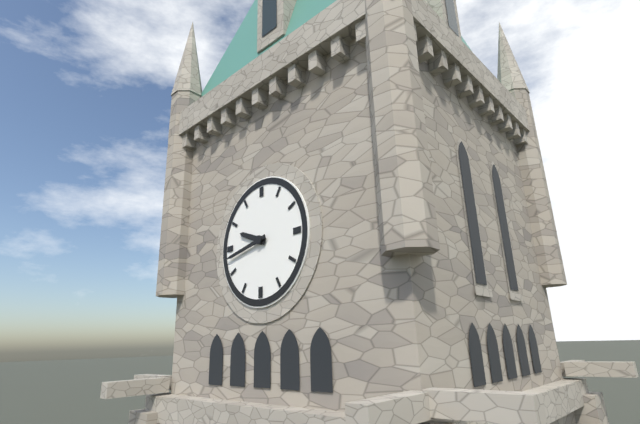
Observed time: 9:43
